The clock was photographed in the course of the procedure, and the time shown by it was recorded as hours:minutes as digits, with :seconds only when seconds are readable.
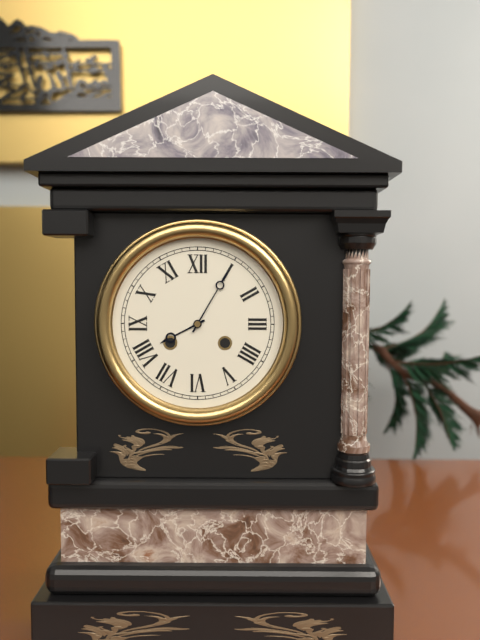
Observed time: 8:05
